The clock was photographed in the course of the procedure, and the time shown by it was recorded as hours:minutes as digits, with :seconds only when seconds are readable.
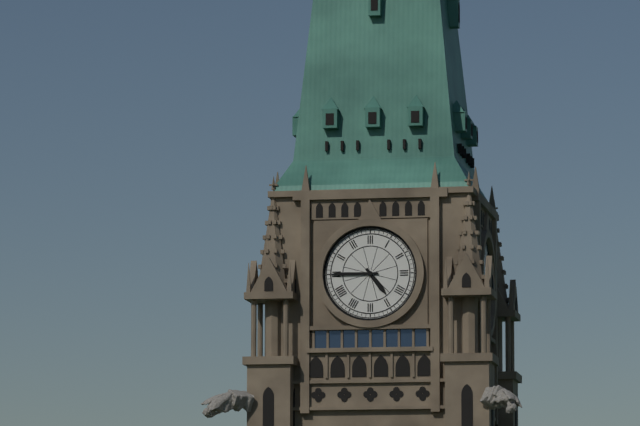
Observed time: 4:45
